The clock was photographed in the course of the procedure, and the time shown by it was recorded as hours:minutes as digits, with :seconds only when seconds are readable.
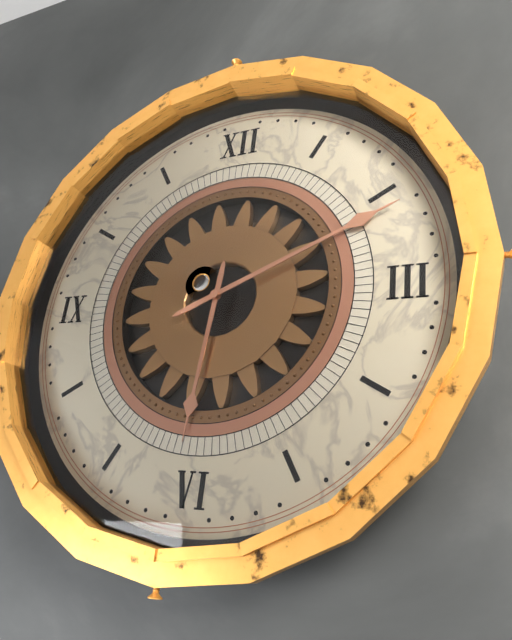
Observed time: 6:11
